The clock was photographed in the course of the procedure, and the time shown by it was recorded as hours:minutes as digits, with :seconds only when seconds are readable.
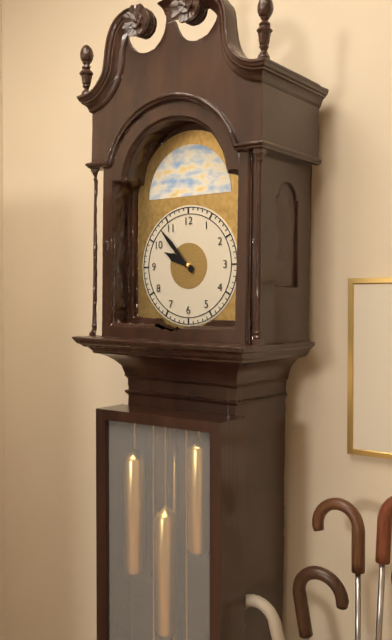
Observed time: 9:53
